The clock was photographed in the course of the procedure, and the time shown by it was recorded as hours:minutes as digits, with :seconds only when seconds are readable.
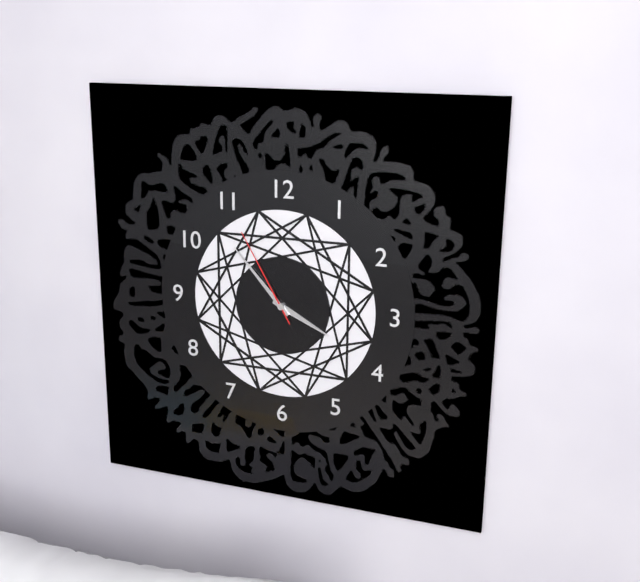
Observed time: 3:53:55
